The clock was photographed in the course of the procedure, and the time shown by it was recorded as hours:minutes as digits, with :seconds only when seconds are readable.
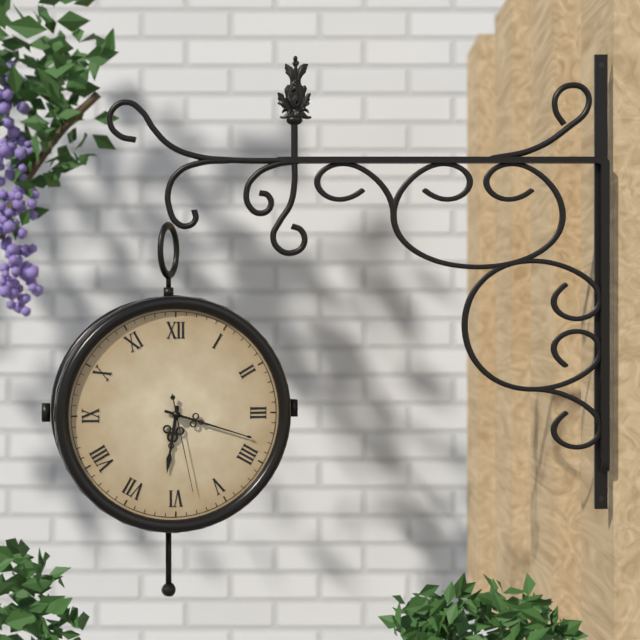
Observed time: 6:18:28
